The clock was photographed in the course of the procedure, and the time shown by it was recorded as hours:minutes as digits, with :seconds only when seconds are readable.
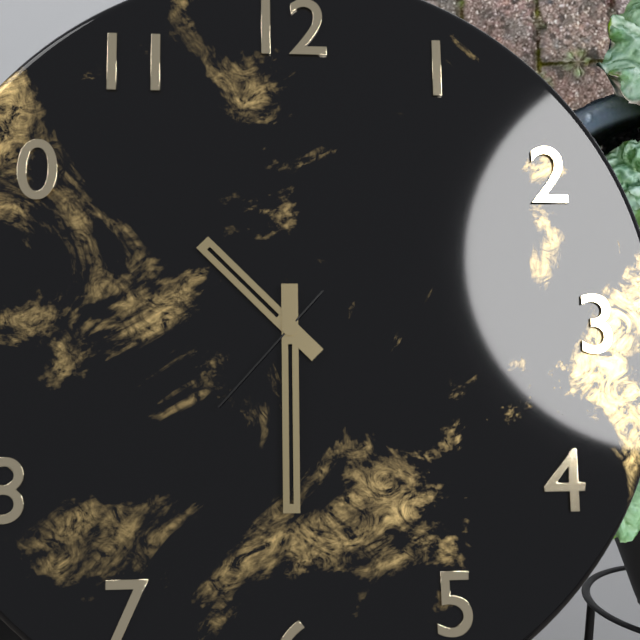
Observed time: 10:30:37
